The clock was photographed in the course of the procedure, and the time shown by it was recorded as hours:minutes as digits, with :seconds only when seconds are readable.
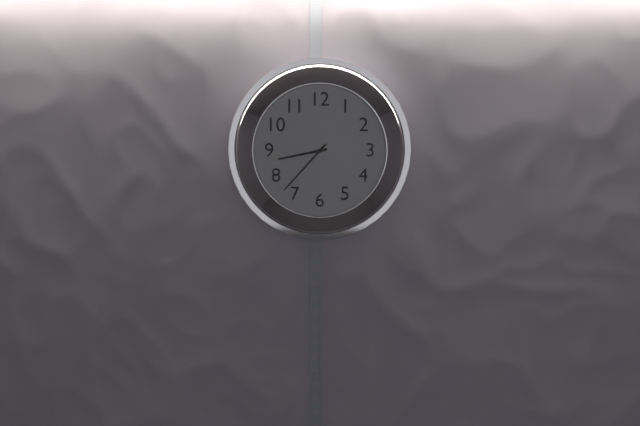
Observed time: 8:37
